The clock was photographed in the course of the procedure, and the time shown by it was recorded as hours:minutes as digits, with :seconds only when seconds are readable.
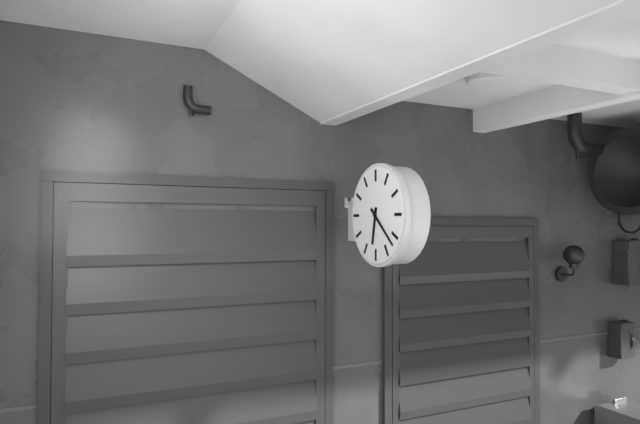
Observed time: 6:22
